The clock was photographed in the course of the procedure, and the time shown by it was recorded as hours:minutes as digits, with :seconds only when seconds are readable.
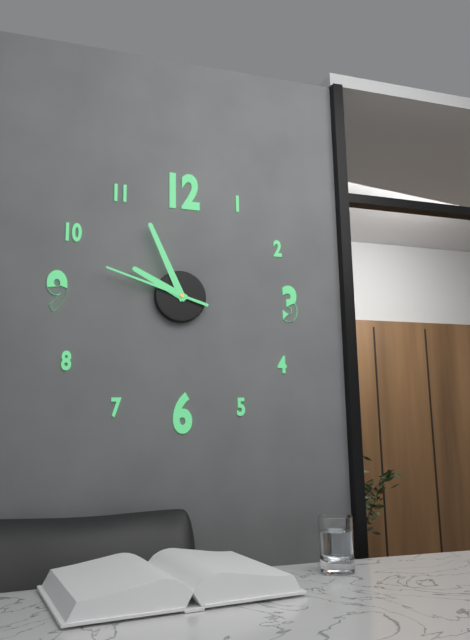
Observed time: 9:56:48
